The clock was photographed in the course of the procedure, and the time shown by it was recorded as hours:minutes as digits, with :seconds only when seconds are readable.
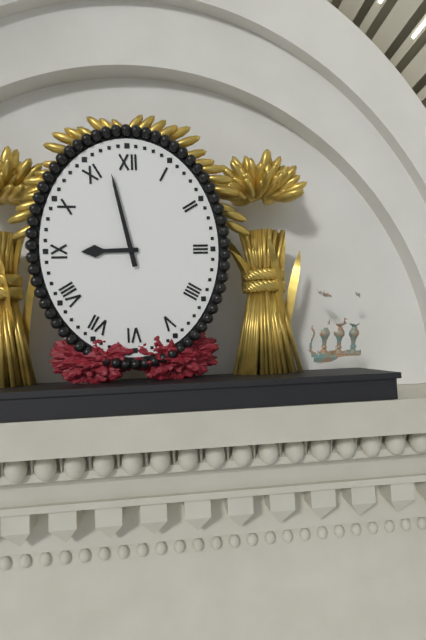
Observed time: 8:58
